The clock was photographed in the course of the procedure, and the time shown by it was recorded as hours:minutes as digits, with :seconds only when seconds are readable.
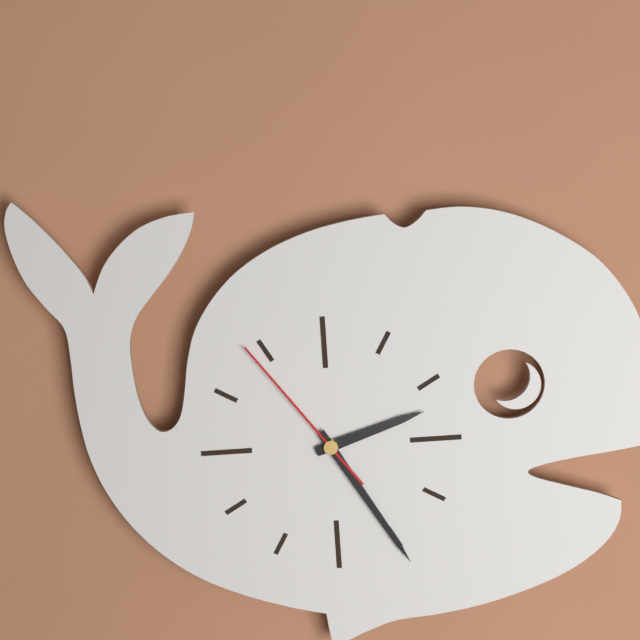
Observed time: 2:25:54
